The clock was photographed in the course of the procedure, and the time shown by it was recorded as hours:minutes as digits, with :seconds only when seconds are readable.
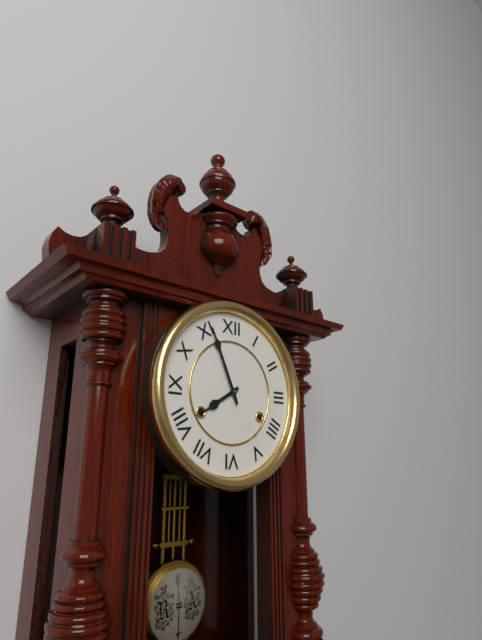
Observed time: 7:56
